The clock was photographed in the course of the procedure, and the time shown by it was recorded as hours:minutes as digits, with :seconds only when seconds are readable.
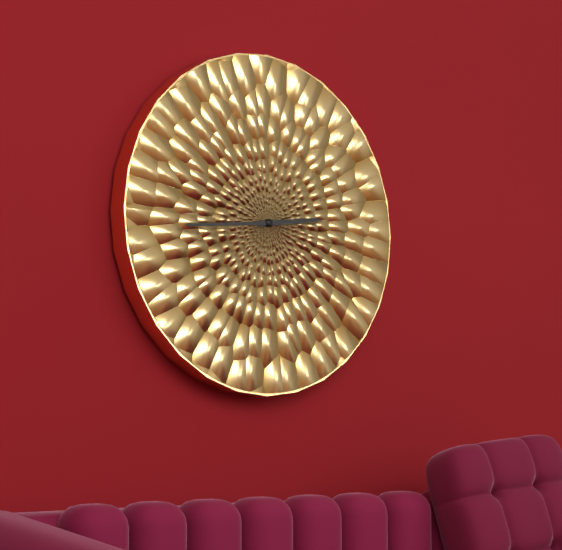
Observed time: 2:44
